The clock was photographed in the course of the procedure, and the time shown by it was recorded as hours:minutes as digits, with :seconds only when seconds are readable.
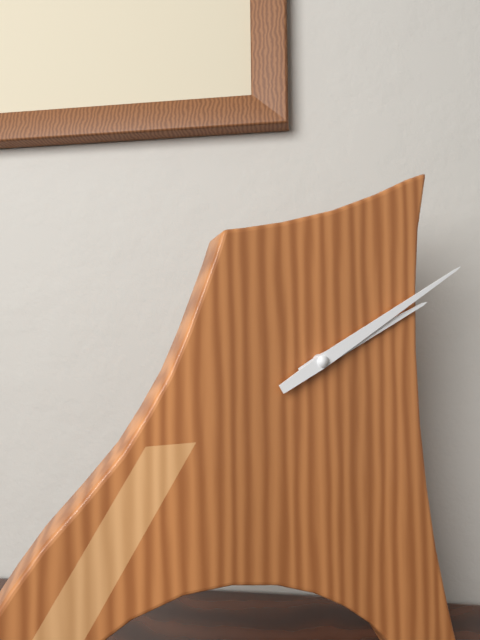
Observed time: 2:10
